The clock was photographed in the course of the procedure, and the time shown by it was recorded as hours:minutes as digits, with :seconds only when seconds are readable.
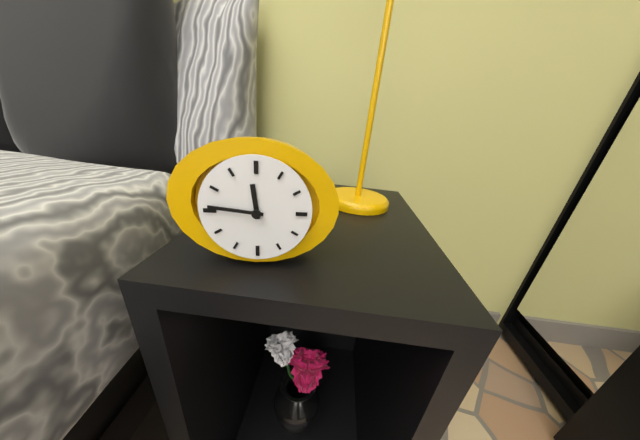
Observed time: 11:46
